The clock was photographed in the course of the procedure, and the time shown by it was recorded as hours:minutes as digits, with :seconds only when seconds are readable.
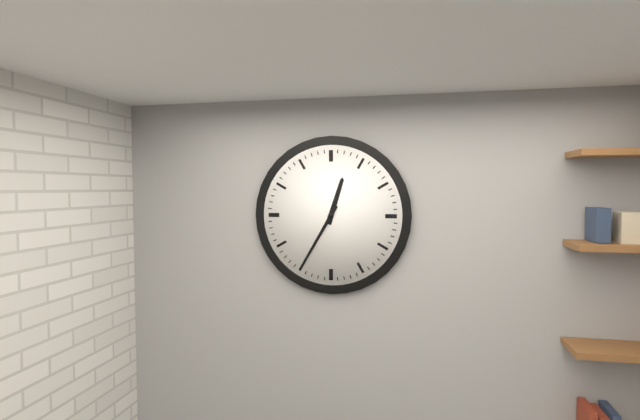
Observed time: 12:35
